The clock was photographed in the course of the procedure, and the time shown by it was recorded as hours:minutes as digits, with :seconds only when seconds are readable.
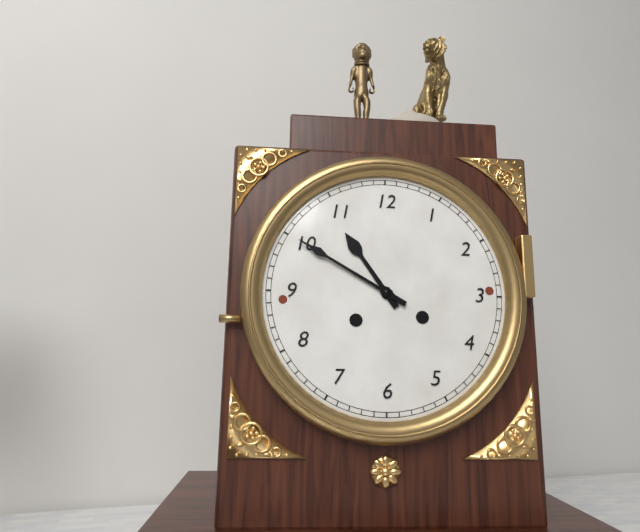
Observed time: 10:50
